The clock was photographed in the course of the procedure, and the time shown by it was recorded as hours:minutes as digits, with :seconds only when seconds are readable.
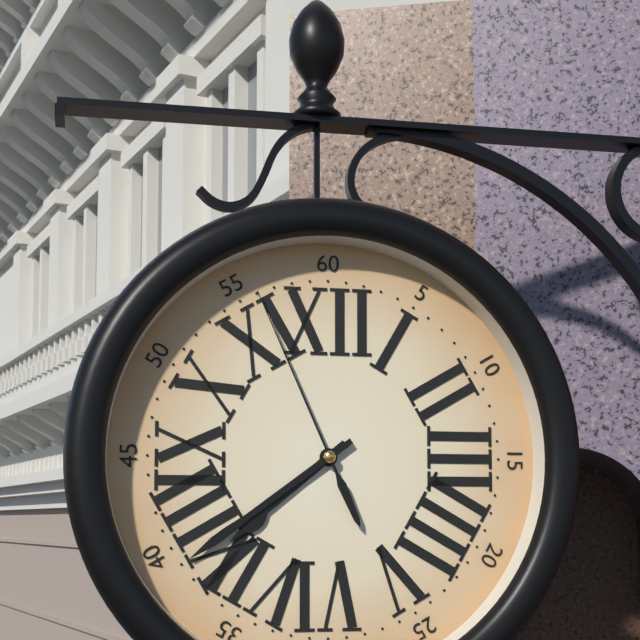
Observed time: 7:39:56
